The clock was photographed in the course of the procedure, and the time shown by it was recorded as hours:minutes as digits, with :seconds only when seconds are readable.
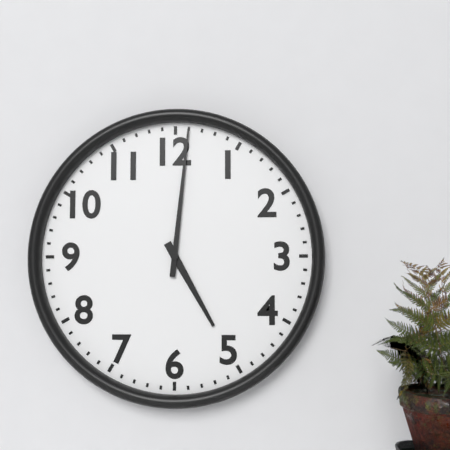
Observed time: 5:01
